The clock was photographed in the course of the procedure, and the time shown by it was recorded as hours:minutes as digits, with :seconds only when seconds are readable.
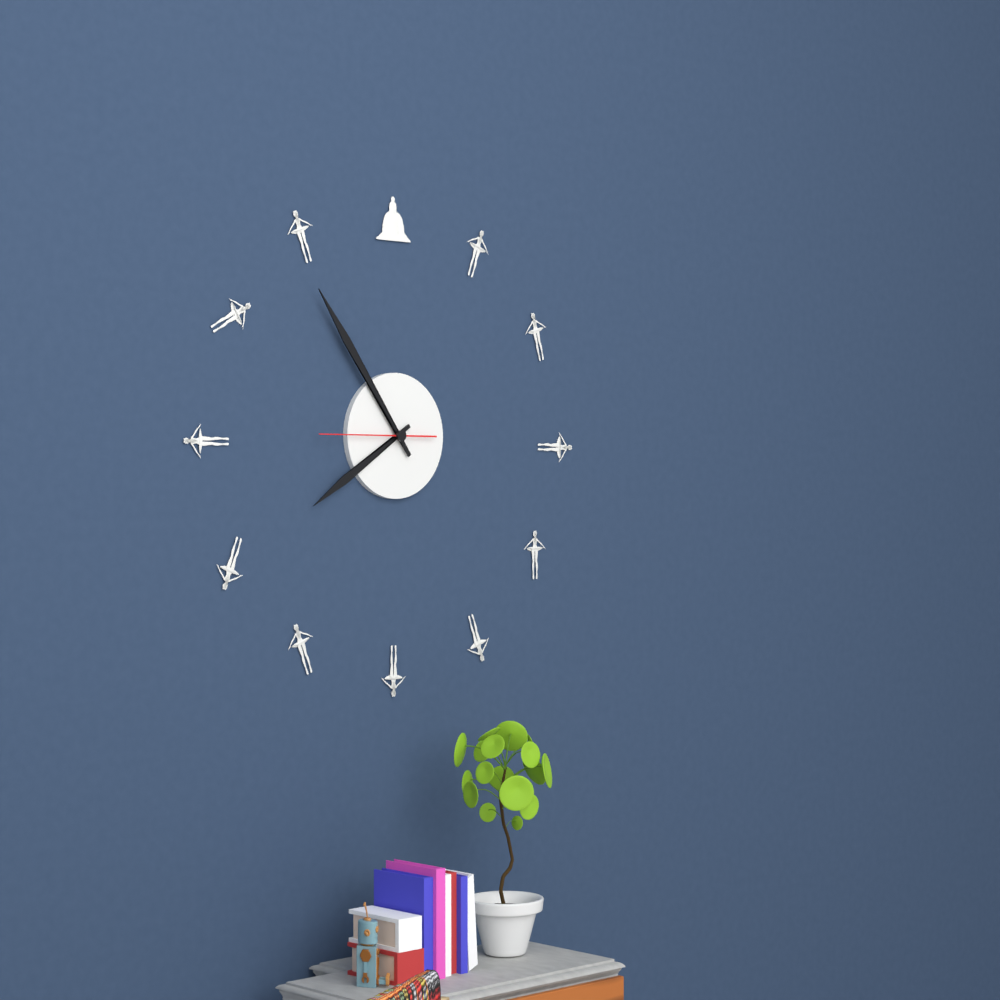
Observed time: 7:54:45
